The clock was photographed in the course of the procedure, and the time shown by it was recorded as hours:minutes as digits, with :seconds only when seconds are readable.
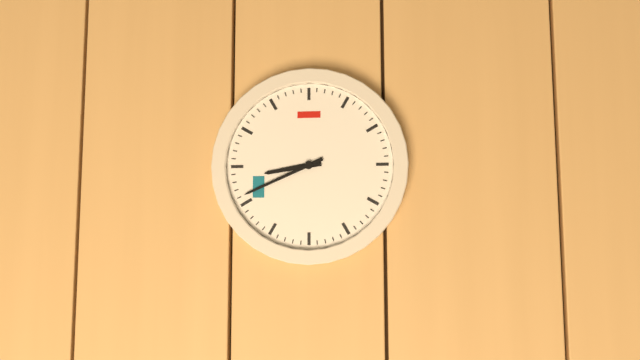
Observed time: 8:41
